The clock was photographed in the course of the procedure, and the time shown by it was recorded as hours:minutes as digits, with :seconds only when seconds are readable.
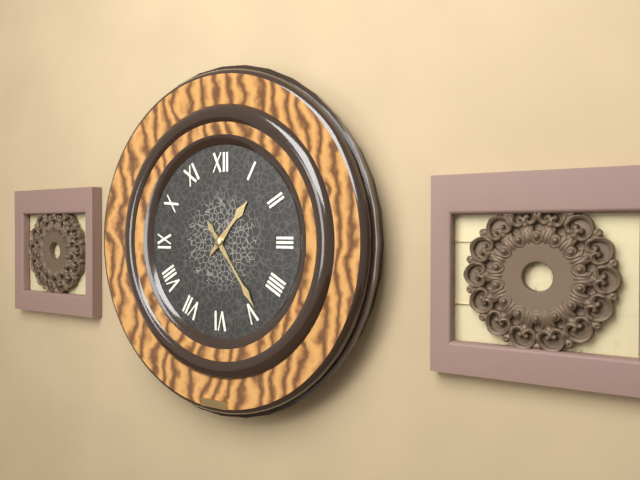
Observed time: 1:24
